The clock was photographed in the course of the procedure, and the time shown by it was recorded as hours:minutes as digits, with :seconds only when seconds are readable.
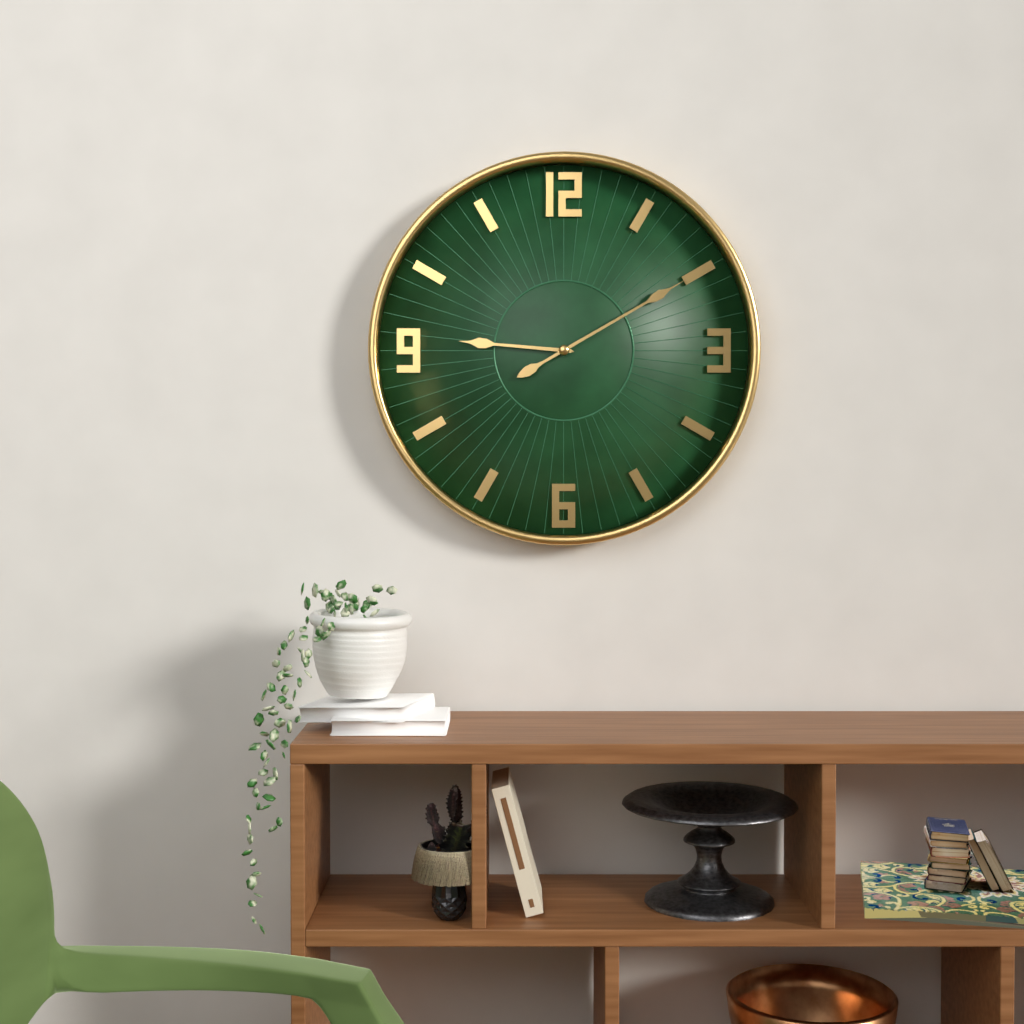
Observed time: 9:10
